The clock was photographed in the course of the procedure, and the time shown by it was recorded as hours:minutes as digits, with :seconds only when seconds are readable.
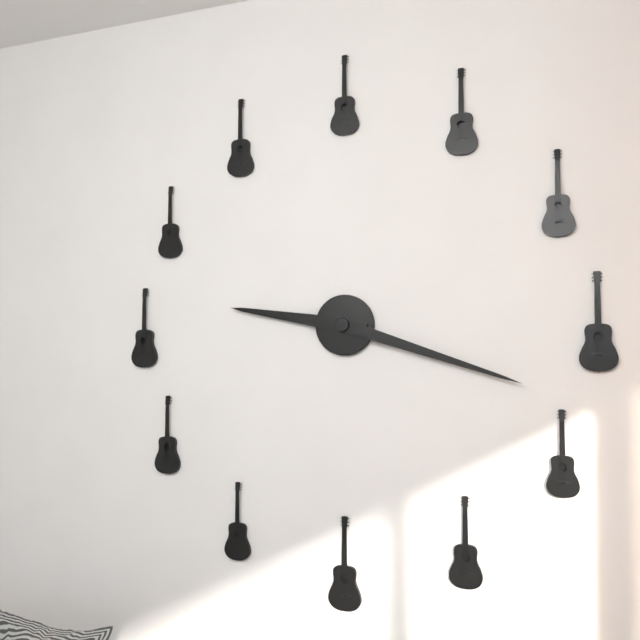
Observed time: 9:18
